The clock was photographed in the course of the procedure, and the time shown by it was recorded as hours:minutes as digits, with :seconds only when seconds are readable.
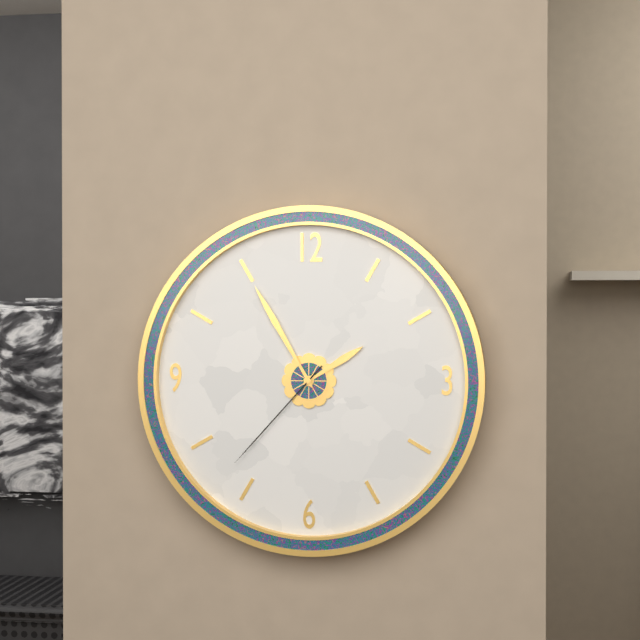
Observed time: 1:55:37
